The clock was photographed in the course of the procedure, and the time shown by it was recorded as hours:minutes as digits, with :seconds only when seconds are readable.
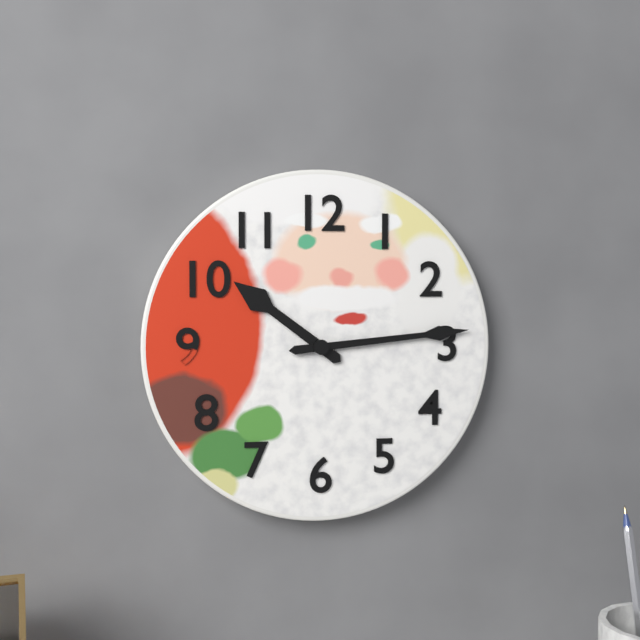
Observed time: 10:14
